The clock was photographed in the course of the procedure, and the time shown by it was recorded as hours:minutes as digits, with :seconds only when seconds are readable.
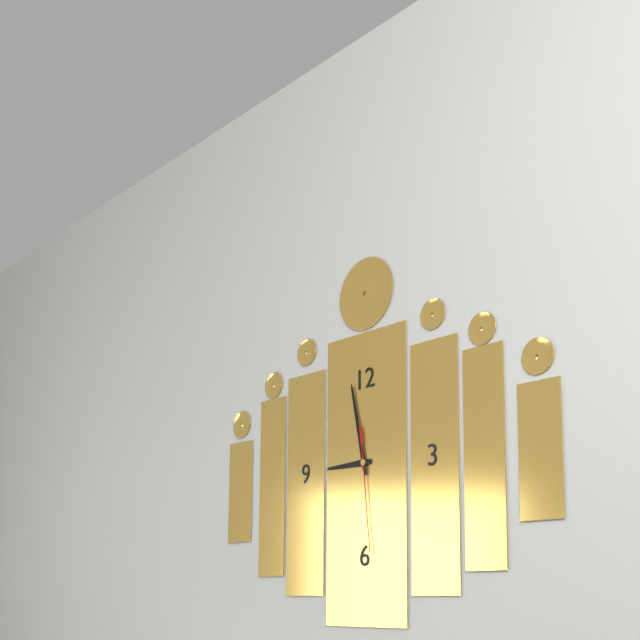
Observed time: 8:58:29
